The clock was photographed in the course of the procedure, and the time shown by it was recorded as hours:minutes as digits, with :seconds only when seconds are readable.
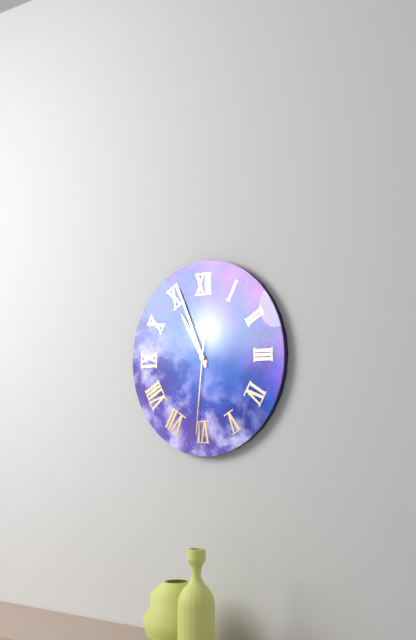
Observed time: 10:56:31
